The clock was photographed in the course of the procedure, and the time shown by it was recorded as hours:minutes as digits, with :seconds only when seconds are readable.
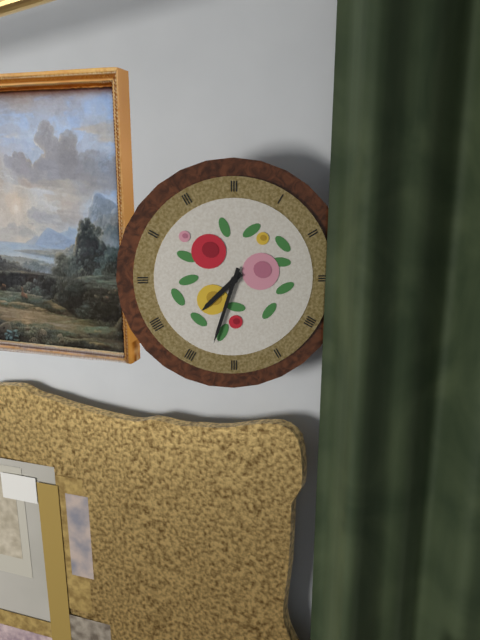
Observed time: 7:33
